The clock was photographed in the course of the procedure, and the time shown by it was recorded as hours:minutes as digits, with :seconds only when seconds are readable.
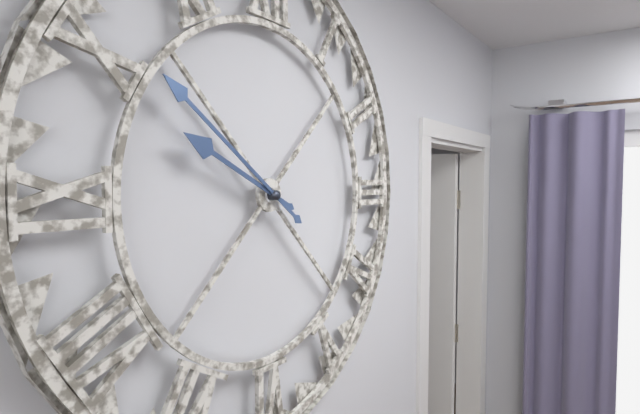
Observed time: 9:51
